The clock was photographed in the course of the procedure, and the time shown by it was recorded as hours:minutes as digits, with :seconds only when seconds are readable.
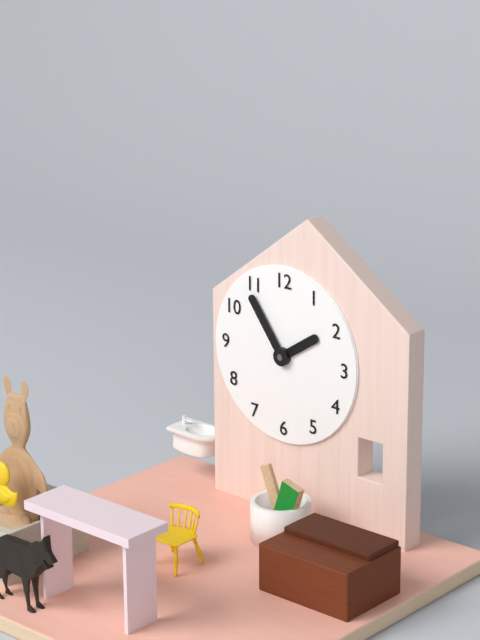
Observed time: 1:54
